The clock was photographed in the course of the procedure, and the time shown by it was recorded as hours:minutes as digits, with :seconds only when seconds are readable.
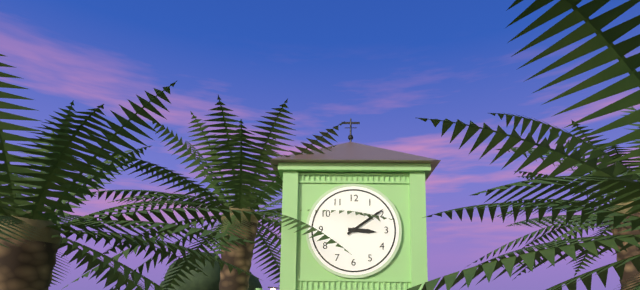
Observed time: 3:09
